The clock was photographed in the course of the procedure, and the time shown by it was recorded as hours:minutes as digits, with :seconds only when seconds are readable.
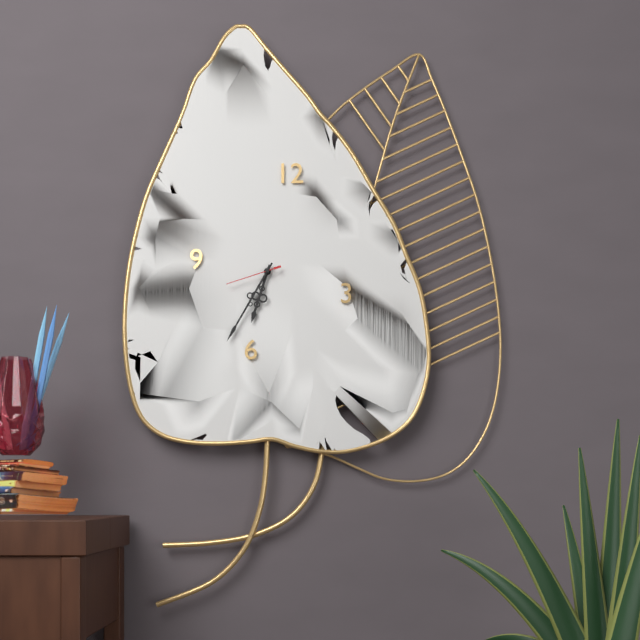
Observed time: 6:35:42
